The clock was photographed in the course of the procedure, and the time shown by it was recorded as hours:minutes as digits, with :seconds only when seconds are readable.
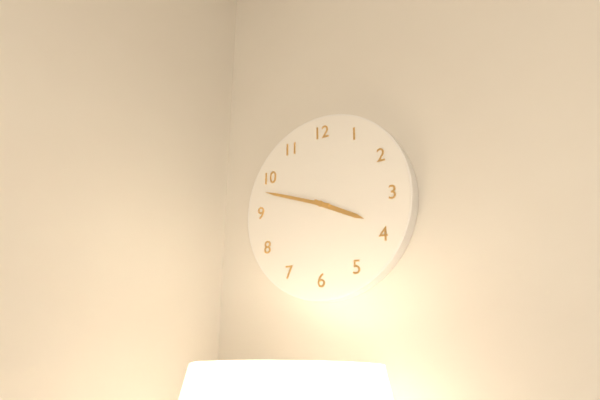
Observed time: 3:48
